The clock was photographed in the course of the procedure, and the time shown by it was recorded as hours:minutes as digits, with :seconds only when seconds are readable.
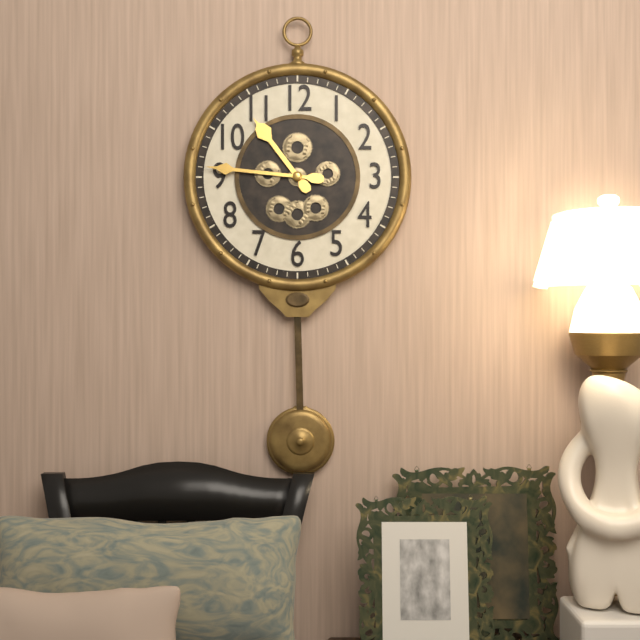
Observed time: 10:46
